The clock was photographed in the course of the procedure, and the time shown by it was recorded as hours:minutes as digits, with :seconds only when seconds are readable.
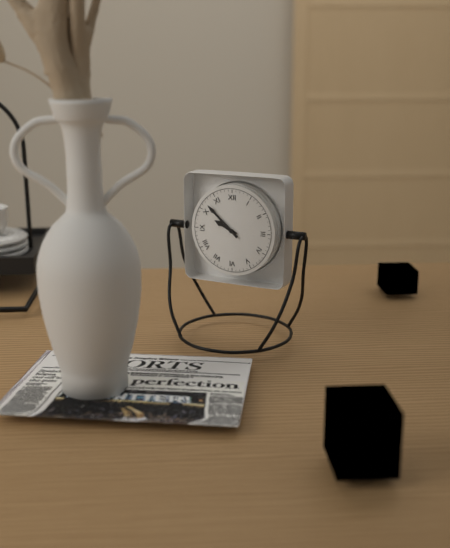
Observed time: 9:52
